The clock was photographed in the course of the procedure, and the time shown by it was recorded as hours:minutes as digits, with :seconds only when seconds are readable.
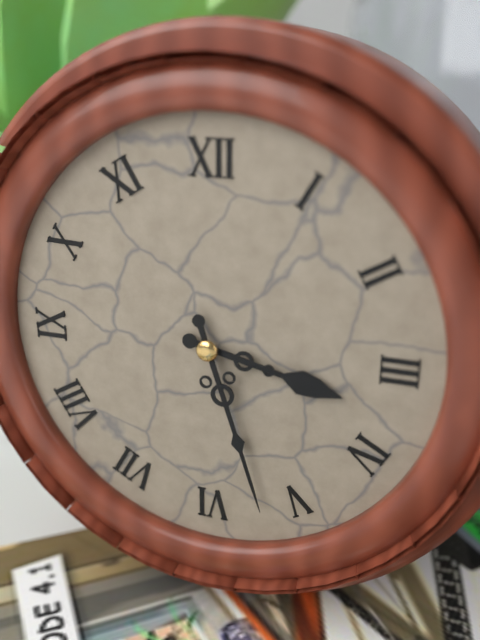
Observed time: 3:27
